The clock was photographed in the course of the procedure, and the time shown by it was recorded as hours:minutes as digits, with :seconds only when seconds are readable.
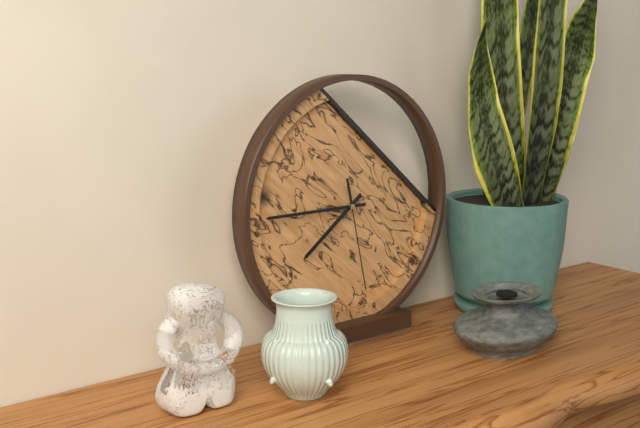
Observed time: 7:45:28
